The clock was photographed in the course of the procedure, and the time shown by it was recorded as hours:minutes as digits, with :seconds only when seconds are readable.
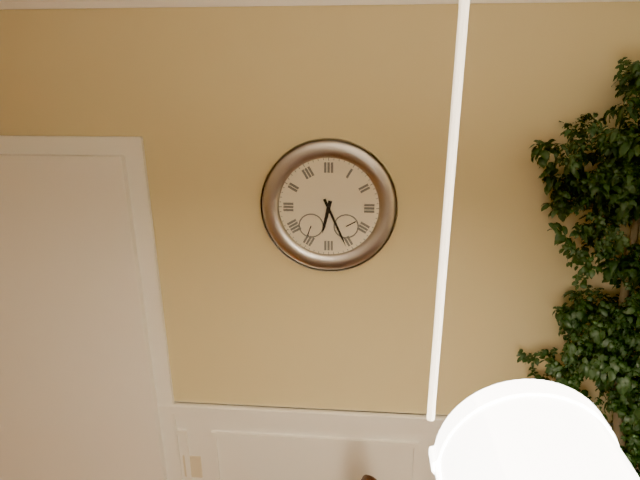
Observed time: 6:26
